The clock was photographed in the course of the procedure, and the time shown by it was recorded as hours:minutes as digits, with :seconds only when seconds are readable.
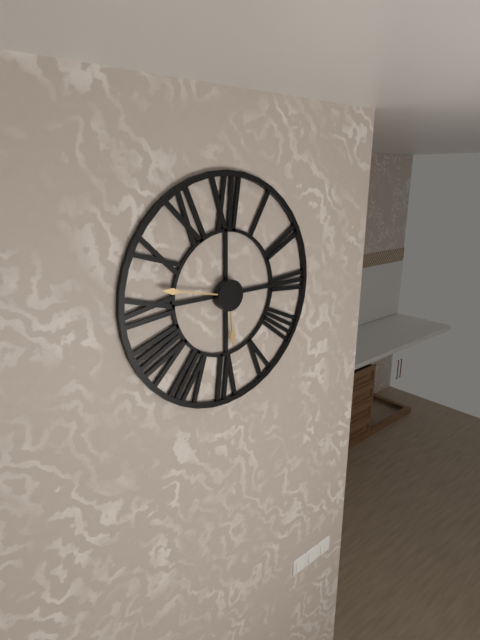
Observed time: 5:47
